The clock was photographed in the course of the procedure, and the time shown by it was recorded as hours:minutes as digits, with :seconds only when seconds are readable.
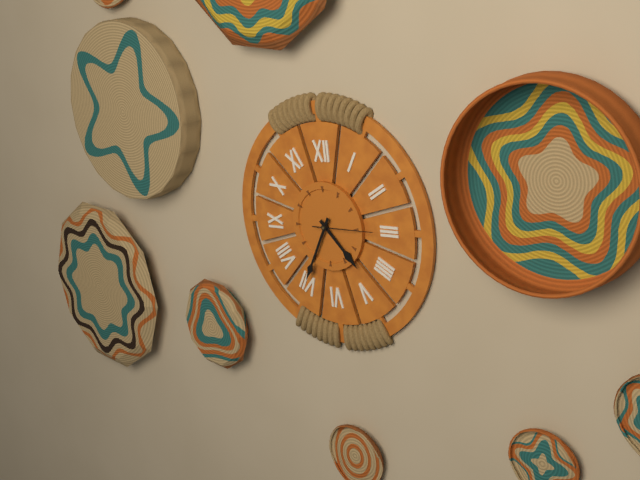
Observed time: 4:35:15
